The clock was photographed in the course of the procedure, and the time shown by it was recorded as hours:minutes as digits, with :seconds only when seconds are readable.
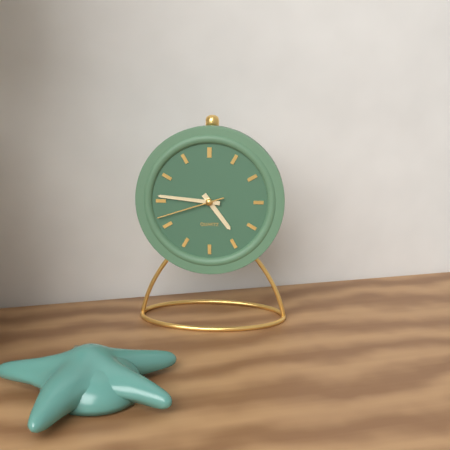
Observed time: 4:46:42
